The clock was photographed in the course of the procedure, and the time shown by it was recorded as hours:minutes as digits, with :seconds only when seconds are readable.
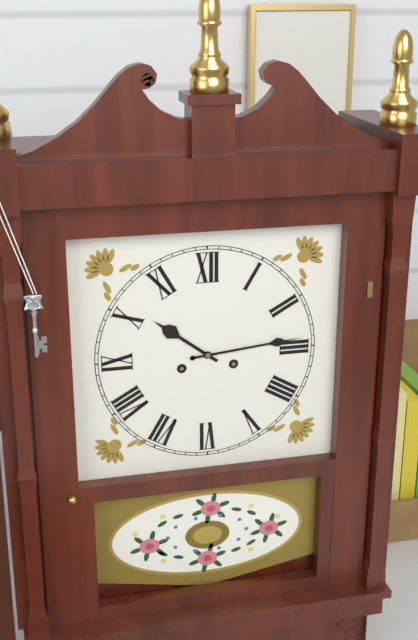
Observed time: 10:14
